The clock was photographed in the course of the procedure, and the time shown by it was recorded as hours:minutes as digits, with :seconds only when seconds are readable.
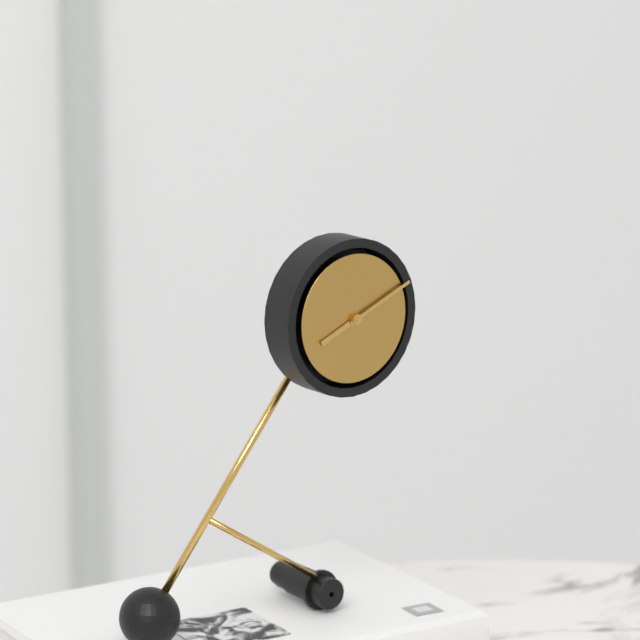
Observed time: 8:11
